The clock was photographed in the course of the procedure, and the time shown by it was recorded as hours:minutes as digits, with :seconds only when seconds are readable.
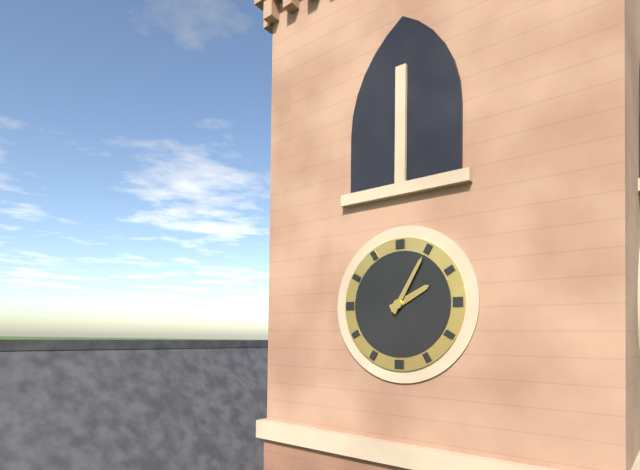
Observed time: 2:05
